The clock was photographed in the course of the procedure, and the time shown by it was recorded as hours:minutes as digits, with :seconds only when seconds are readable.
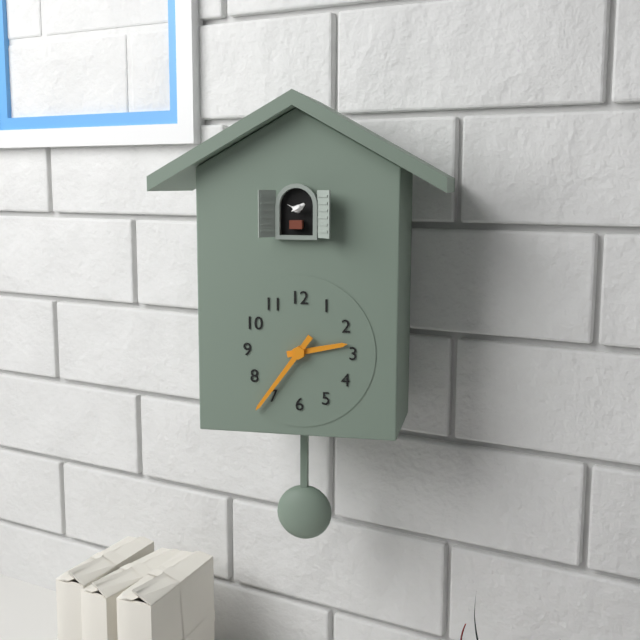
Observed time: 2:36
